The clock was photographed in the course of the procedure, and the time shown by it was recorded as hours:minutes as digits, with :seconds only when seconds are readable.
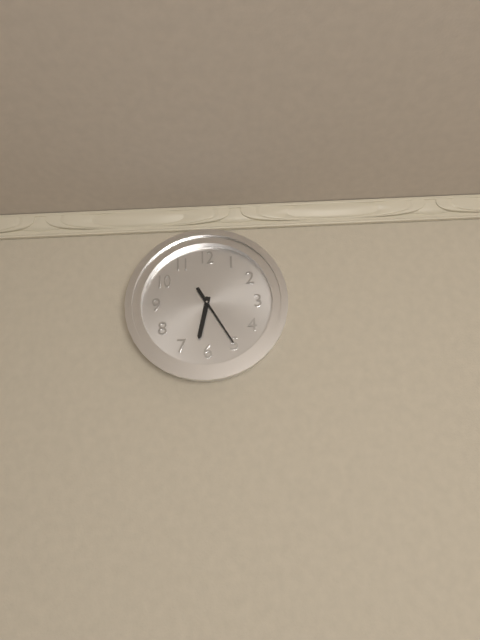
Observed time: 6:25
